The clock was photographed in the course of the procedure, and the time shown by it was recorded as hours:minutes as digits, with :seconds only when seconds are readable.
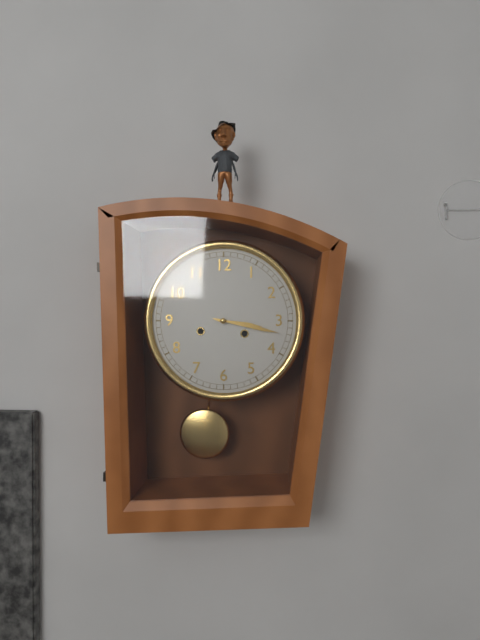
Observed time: 3:17
